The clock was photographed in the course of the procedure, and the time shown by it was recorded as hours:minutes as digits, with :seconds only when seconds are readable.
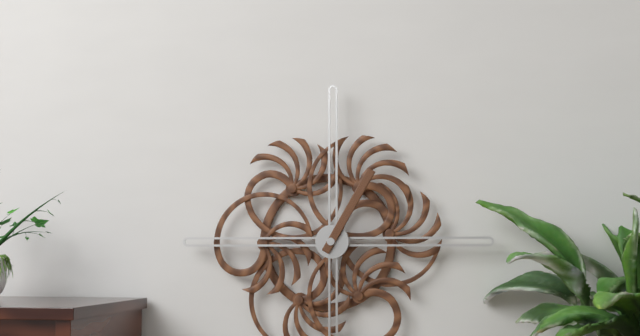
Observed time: 1:05
